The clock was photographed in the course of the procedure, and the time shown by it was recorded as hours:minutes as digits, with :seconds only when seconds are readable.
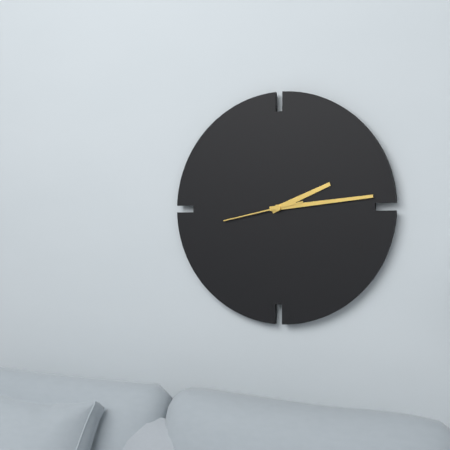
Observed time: 2:14:43
